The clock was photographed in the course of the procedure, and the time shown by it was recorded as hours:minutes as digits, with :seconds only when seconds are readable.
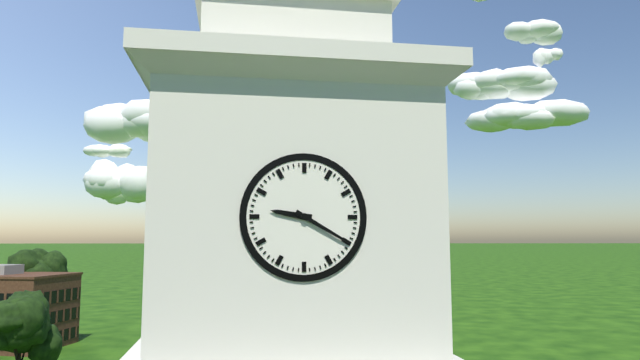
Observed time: 9:20
